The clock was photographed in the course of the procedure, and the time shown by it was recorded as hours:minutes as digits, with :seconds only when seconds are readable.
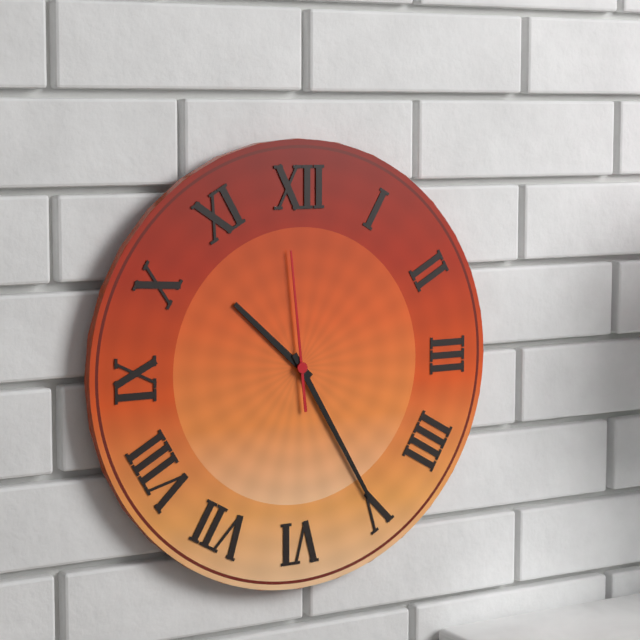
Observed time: 10:25:59
